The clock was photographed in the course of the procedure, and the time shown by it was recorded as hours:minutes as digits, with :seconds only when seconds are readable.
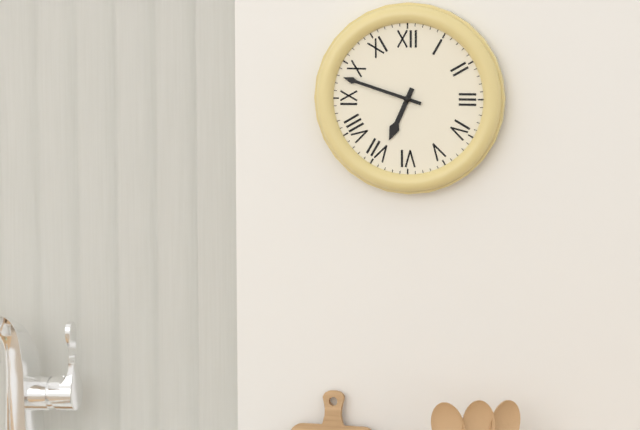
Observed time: 6:48
